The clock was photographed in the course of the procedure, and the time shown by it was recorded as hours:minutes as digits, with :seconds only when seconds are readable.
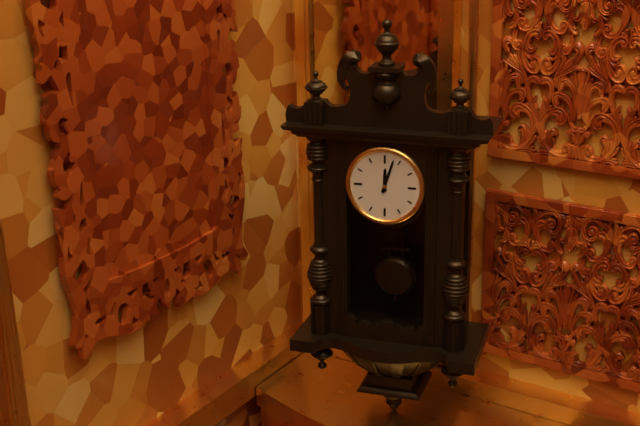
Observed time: 12:03
